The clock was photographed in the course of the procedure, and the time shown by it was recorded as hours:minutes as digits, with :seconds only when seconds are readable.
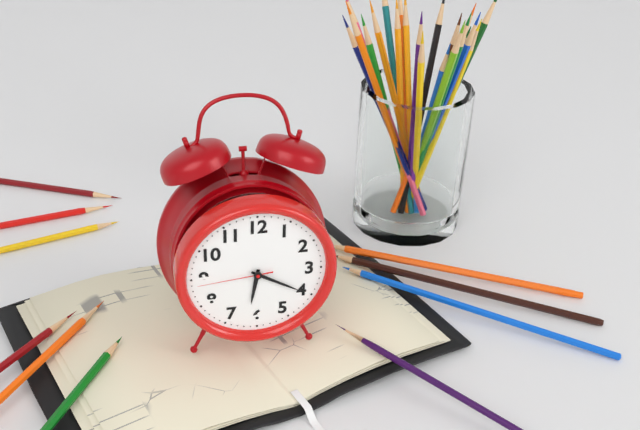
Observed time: 6:20:44
